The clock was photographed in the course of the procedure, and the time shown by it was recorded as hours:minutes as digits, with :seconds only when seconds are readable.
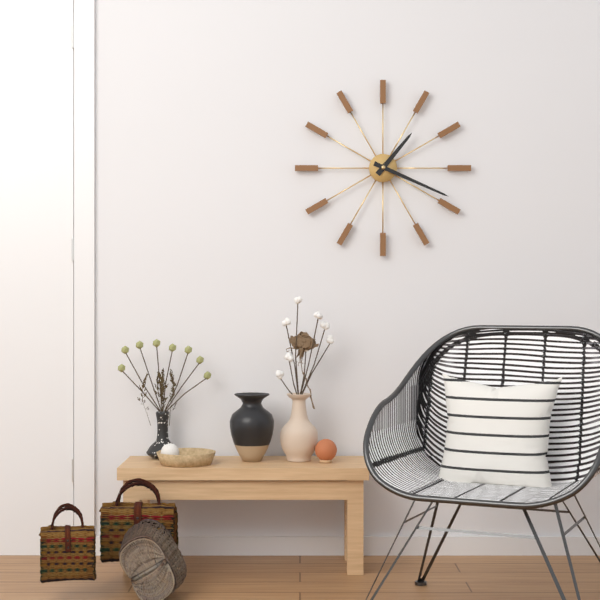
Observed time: 1:19
